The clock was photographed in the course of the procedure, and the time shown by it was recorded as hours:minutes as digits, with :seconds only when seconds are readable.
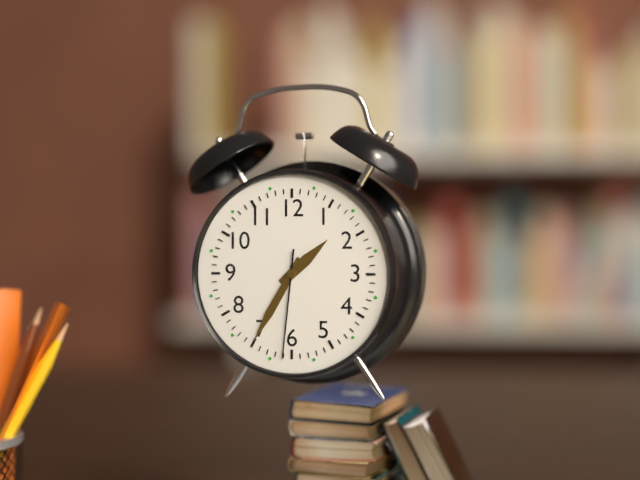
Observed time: 1:35:31
